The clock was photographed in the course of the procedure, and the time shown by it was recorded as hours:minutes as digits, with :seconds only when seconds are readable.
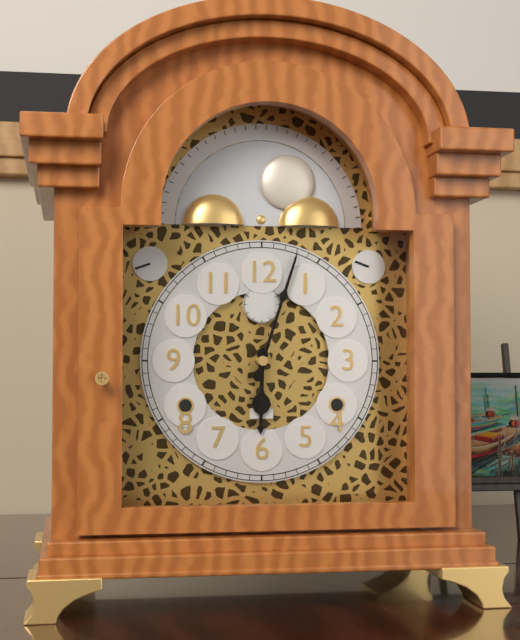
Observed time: 6:03
